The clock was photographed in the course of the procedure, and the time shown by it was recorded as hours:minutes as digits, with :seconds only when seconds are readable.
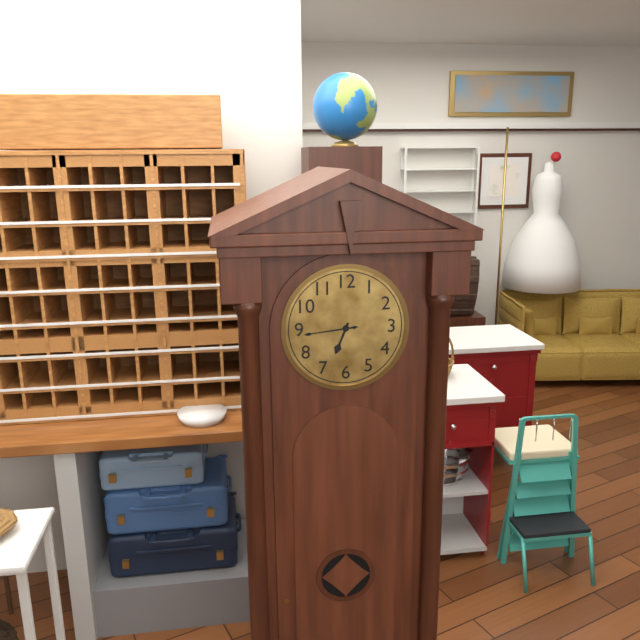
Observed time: 6:44
